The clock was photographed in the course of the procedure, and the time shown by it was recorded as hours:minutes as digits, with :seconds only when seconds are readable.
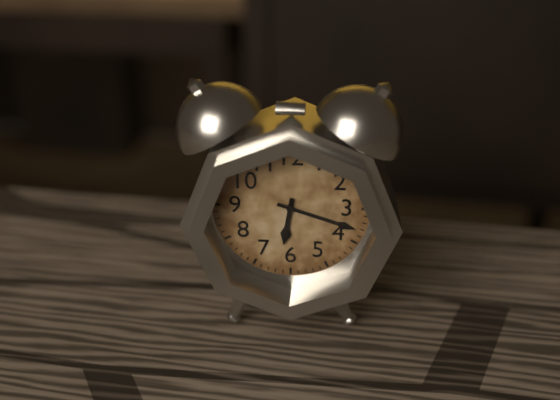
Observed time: 6:18
